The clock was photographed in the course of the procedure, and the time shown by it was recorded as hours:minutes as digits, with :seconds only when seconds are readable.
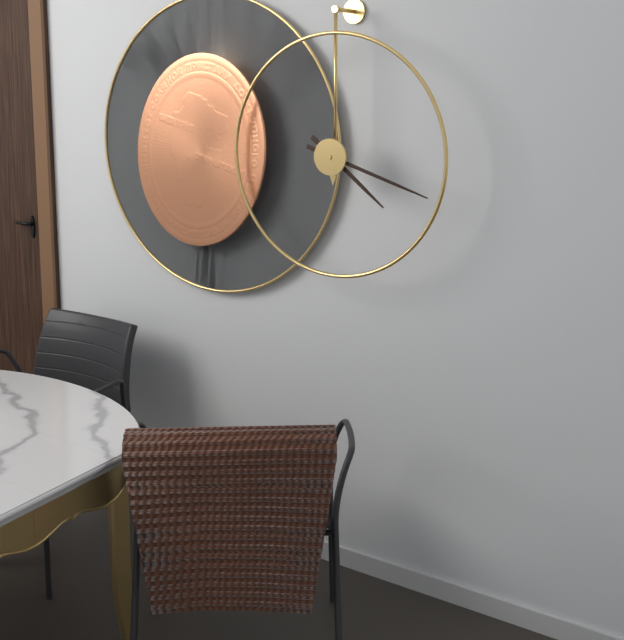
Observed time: 4:18
